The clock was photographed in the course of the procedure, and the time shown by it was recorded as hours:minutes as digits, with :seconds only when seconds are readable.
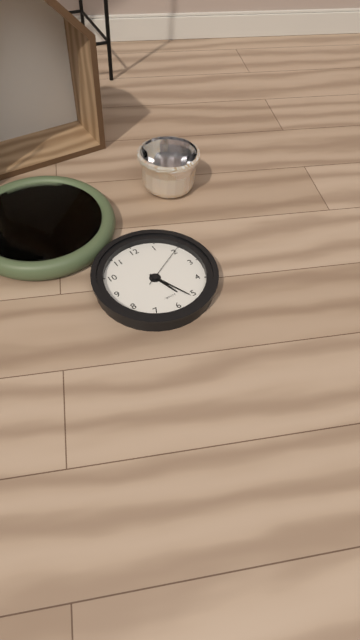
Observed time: 5:26
